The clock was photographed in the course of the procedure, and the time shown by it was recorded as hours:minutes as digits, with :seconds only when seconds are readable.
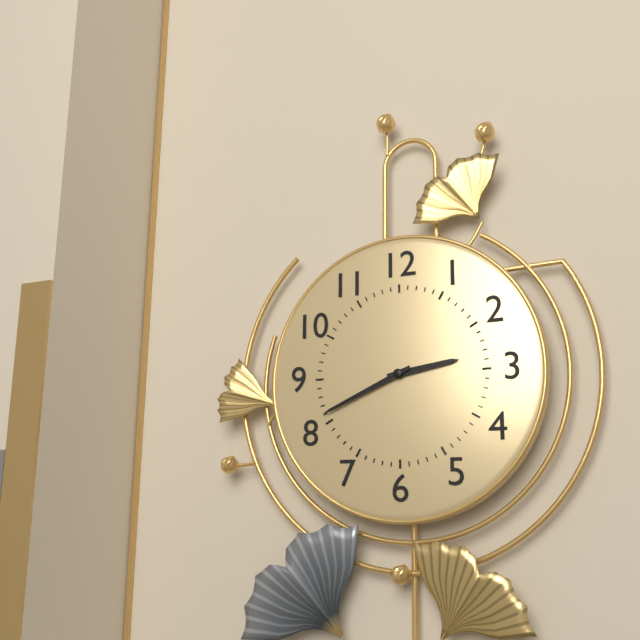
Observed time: 2:41
